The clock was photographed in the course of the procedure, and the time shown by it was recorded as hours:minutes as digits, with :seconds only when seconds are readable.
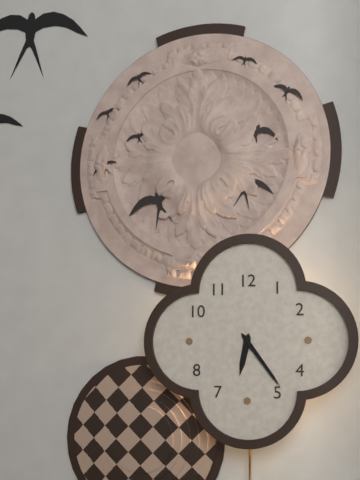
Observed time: 6:24
